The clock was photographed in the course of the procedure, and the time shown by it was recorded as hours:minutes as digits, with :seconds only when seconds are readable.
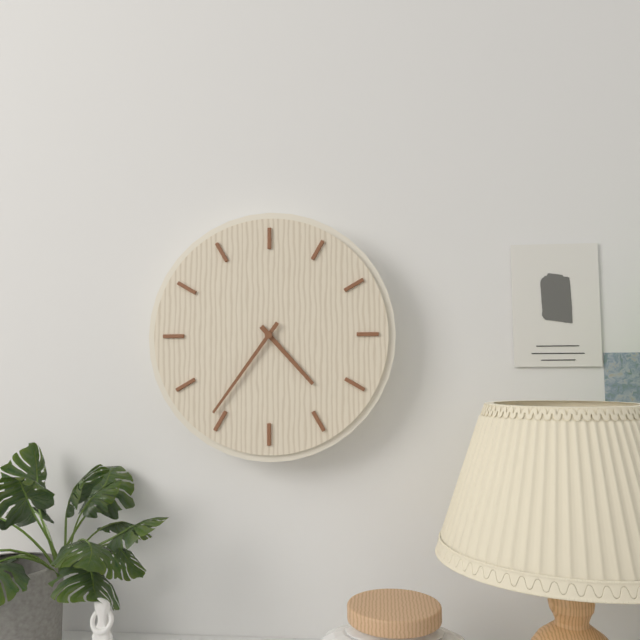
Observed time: 4:36
